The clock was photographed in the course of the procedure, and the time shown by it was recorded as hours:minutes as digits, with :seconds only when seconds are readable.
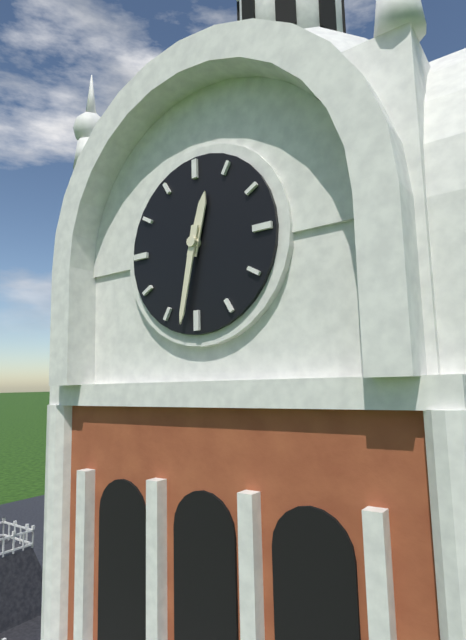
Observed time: 12:32
